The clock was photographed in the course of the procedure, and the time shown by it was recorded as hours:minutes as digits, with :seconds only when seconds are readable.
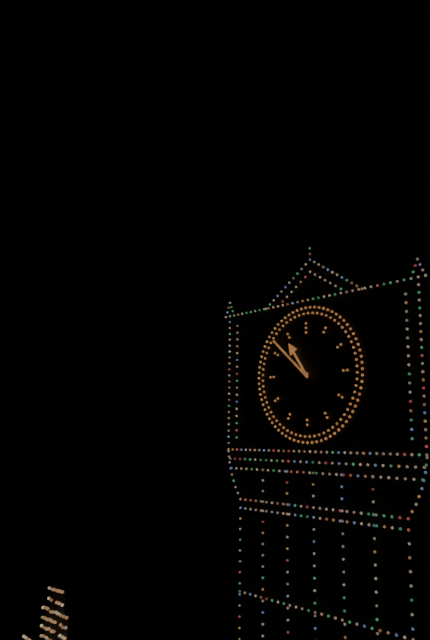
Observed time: 10:52
